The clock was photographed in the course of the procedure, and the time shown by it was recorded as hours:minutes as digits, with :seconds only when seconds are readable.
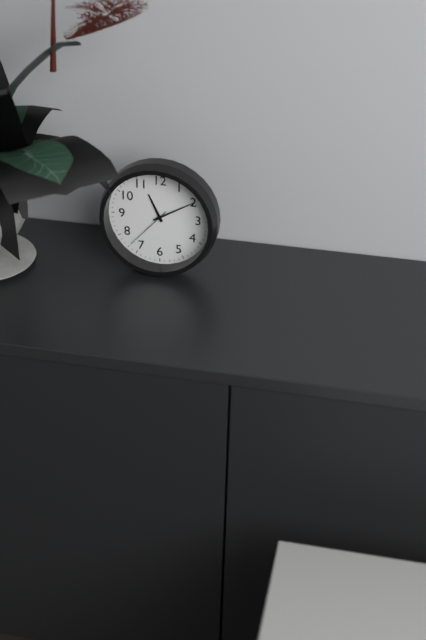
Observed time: 11:10
